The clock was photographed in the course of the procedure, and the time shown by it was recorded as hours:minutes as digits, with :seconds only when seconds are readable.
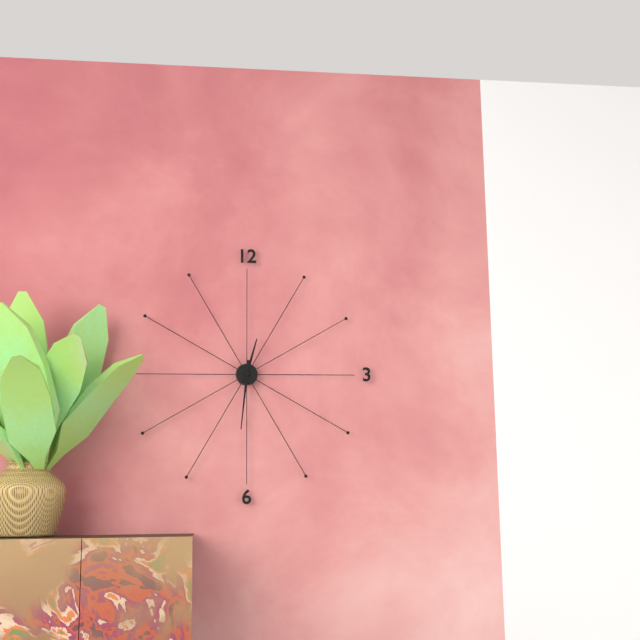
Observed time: 12:31
